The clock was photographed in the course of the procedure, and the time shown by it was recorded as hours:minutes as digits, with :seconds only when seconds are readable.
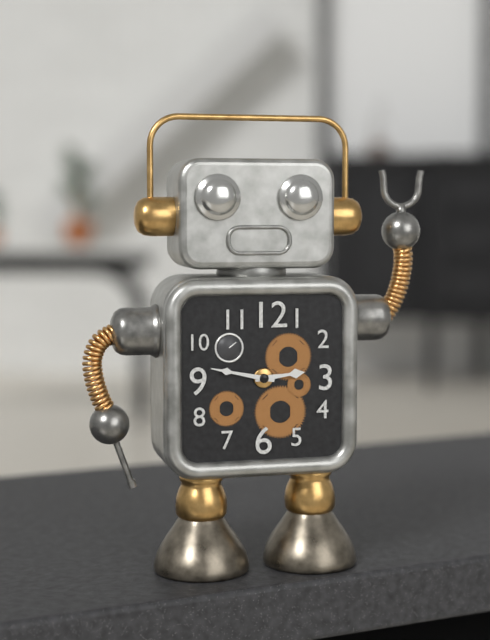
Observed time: 2:47
